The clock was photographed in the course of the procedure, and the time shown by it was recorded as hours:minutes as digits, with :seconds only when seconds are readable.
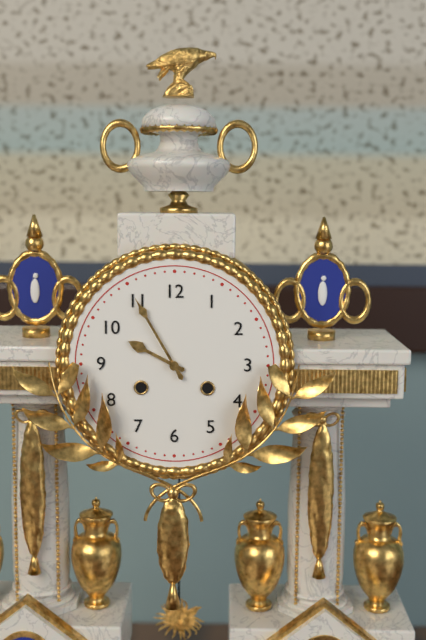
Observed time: 9:55
